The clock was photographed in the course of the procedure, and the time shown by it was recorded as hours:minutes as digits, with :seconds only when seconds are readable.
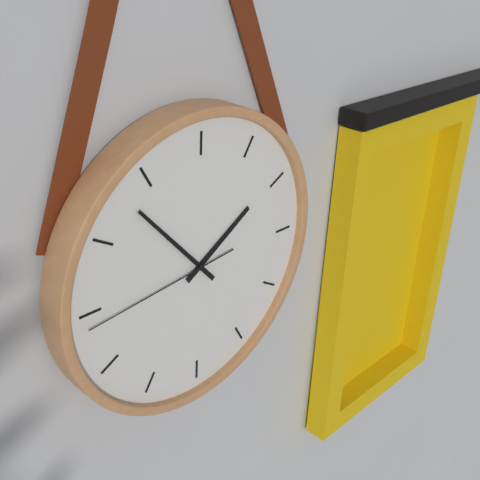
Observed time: 1:53:44
